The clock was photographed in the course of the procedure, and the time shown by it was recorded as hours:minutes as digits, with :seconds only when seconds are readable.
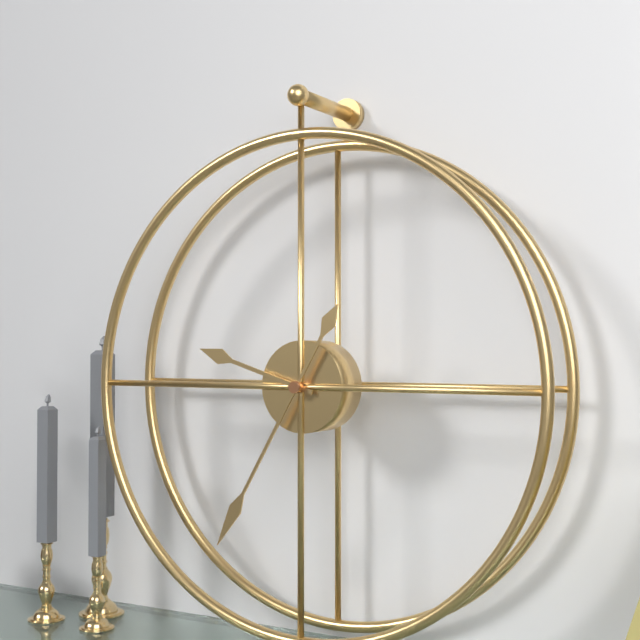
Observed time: 9:35
